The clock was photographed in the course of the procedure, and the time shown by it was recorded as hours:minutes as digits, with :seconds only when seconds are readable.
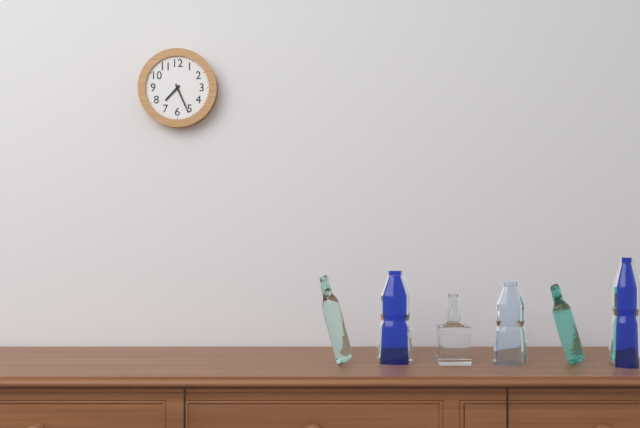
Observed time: 7:26
